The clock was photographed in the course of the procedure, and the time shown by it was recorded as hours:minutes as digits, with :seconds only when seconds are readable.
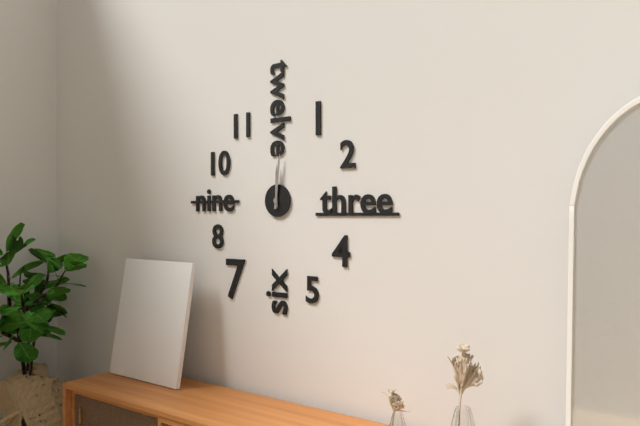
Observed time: 12:01
